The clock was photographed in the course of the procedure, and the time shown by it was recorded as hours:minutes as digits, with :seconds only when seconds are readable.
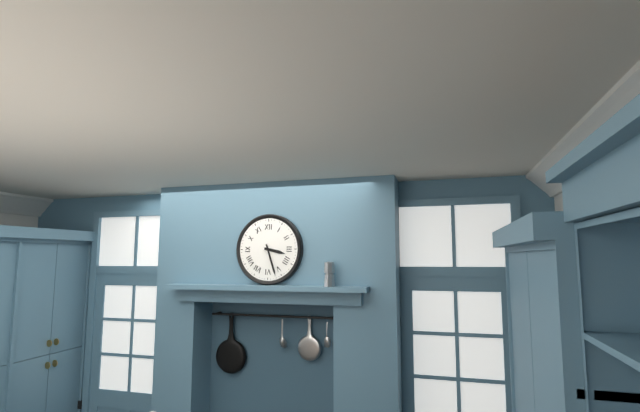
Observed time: 3:27
